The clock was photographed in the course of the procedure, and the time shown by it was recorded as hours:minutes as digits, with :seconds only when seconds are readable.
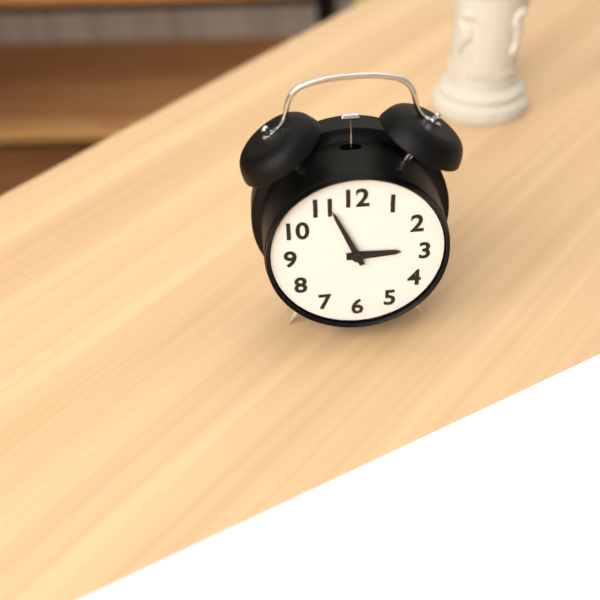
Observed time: 2:56
